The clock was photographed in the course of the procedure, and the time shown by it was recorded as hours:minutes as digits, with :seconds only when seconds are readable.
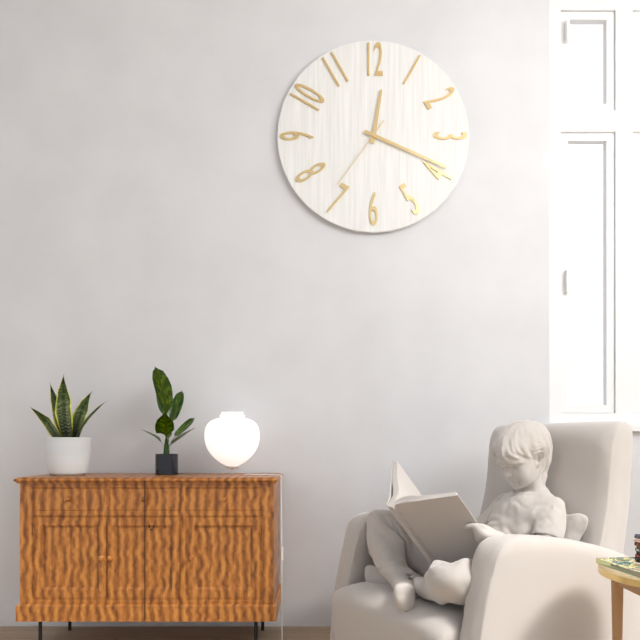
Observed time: 12:19:36
